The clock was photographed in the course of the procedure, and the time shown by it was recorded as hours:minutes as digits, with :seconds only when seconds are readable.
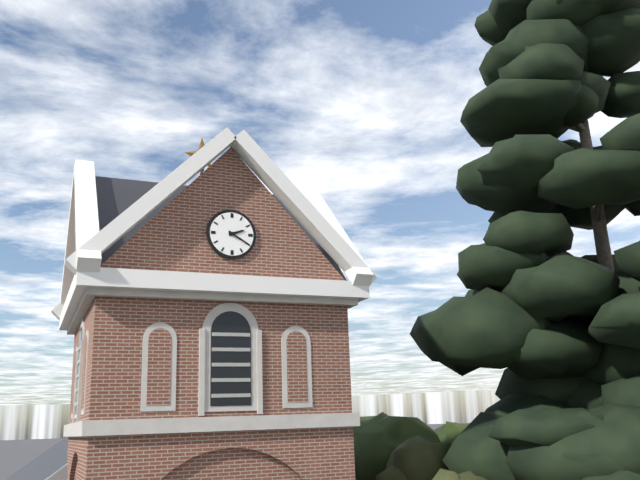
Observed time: 2:20
